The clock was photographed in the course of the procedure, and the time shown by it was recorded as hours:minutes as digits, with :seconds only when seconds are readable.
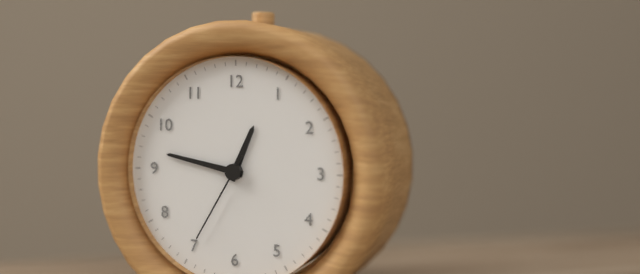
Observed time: 12:47:35
